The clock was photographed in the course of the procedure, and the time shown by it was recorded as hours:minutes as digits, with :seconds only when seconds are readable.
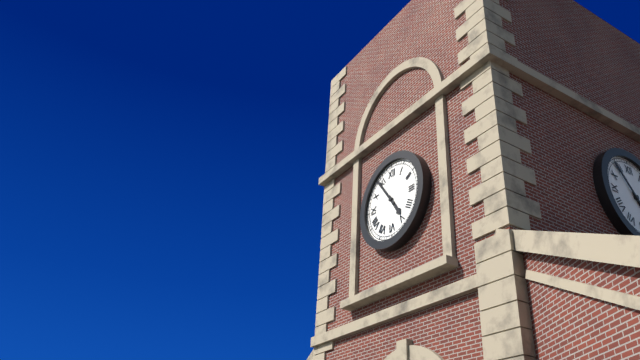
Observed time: 4:54
